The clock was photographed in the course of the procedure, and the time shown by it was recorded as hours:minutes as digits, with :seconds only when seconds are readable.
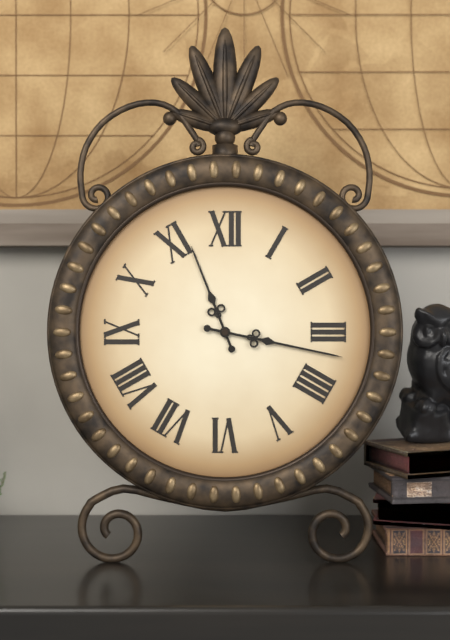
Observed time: 11:17
